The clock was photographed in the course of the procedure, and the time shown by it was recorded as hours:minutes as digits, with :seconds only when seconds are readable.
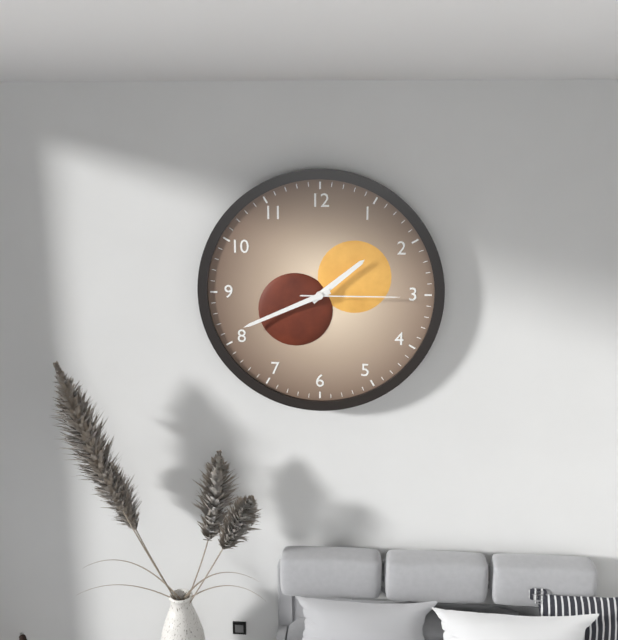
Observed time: 1:41:15
